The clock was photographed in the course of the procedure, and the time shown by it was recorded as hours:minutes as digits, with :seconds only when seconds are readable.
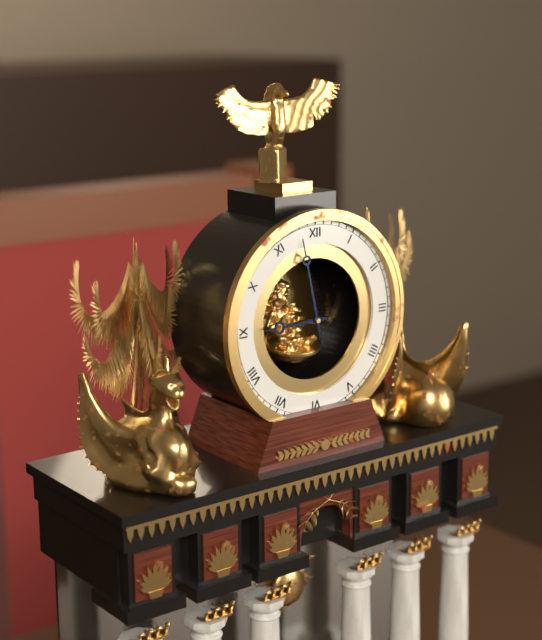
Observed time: 8:58
